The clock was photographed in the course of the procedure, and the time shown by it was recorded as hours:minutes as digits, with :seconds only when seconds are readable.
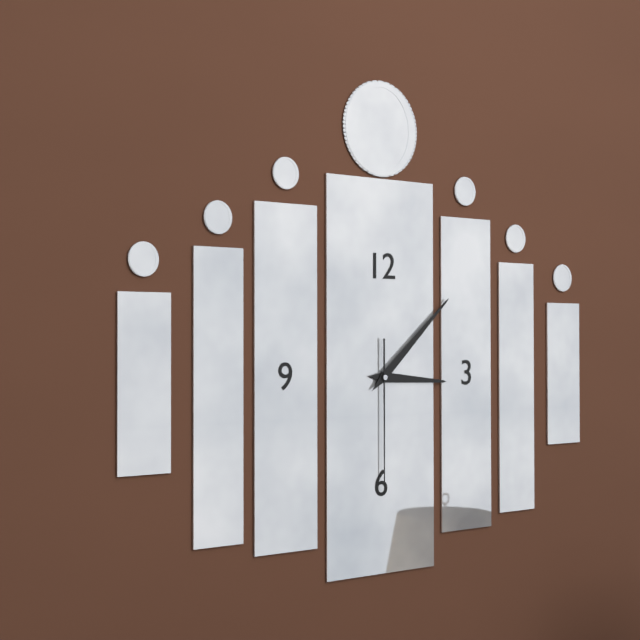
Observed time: 3:08:30
